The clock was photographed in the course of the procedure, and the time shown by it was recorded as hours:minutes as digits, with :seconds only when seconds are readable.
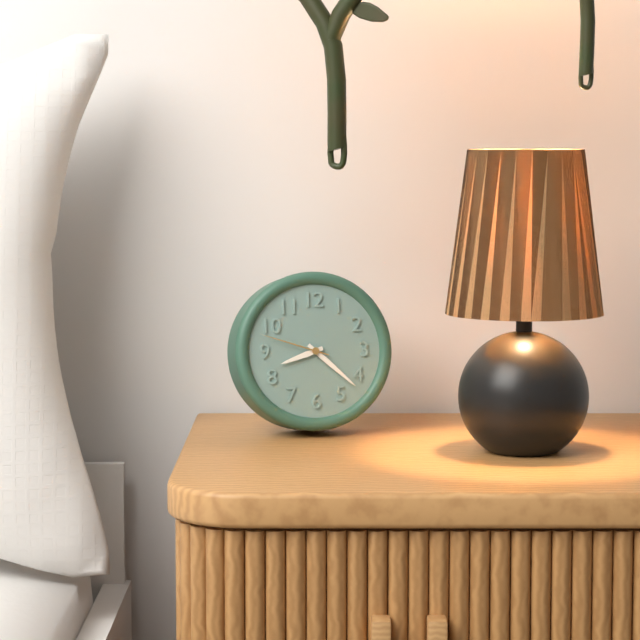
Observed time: 8:22:48
